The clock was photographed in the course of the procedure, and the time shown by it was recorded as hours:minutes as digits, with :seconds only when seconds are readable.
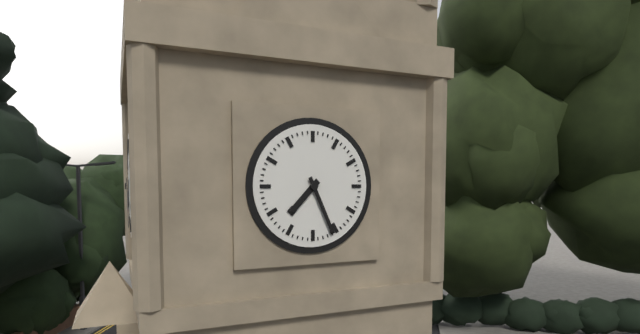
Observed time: 7:26
